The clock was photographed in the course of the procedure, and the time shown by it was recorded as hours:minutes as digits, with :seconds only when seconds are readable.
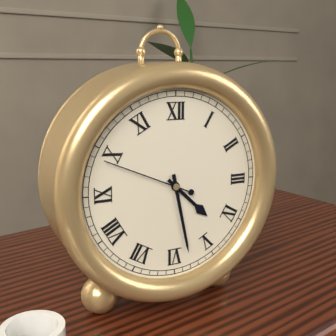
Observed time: 4:28:49
